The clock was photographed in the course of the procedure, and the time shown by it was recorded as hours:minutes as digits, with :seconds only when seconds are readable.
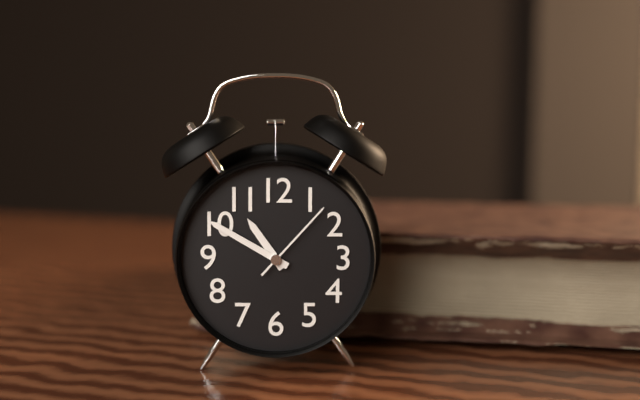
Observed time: 10:50:07
